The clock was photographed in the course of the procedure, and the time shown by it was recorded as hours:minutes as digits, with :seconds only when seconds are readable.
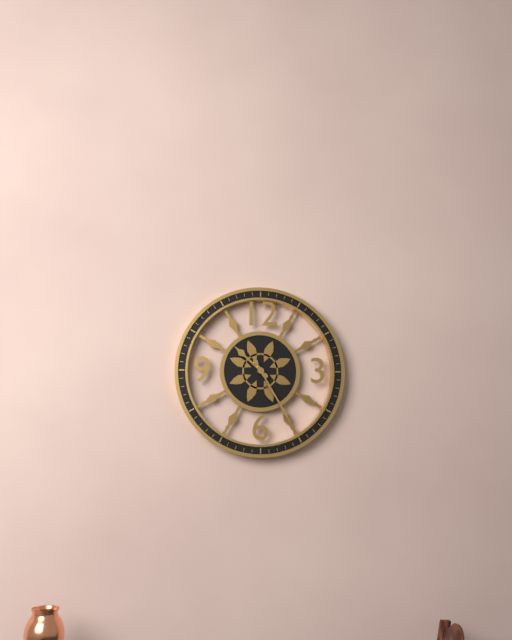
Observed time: 10:25
